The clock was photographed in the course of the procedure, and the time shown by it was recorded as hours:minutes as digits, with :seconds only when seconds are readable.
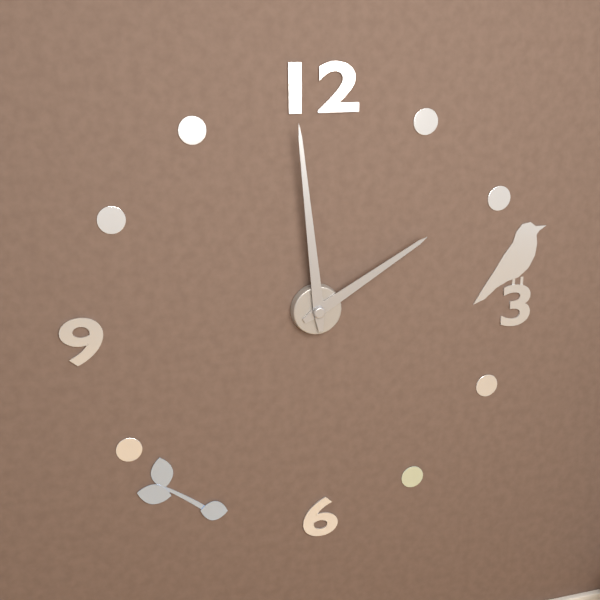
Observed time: 1:59
